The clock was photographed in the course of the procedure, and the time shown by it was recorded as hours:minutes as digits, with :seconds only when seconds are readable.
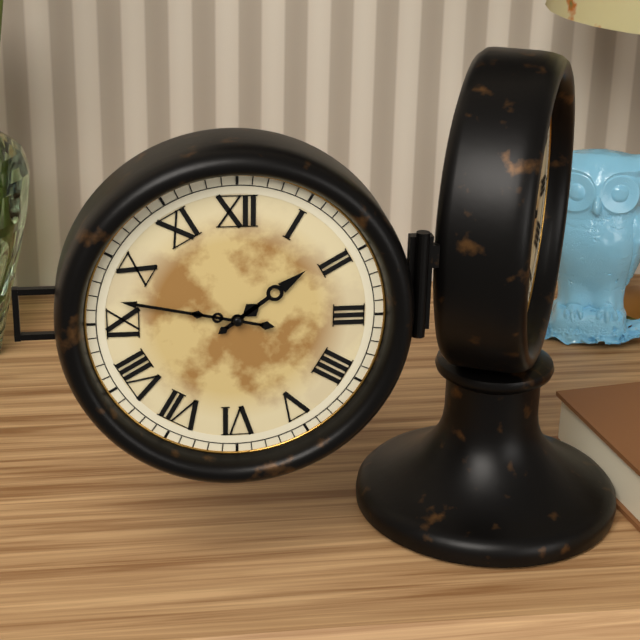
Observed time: 1:47
